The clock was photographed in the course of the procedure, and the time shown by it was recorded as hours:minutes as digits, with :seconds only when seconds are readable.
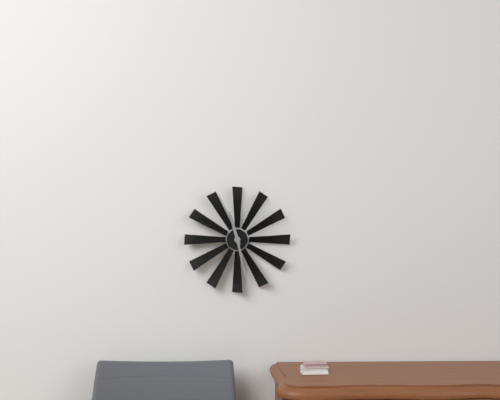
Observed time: 11:28
